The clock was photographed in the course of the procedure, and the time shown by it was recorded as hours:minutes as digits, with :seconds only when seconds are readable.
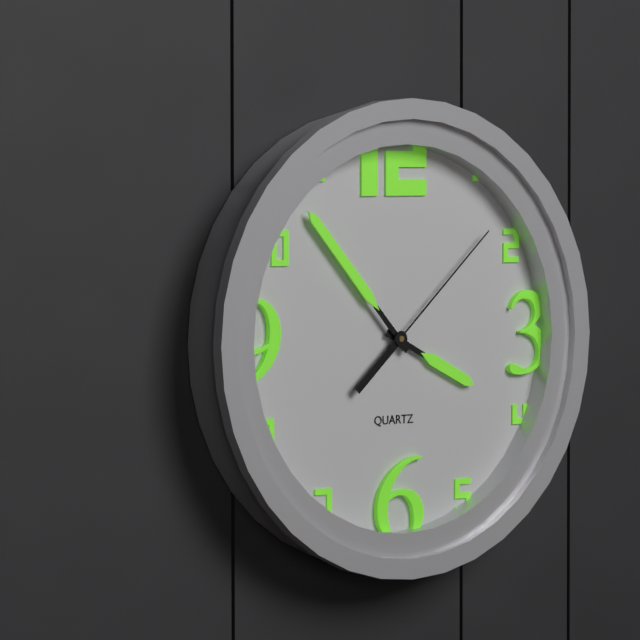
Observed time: 3:53:08
